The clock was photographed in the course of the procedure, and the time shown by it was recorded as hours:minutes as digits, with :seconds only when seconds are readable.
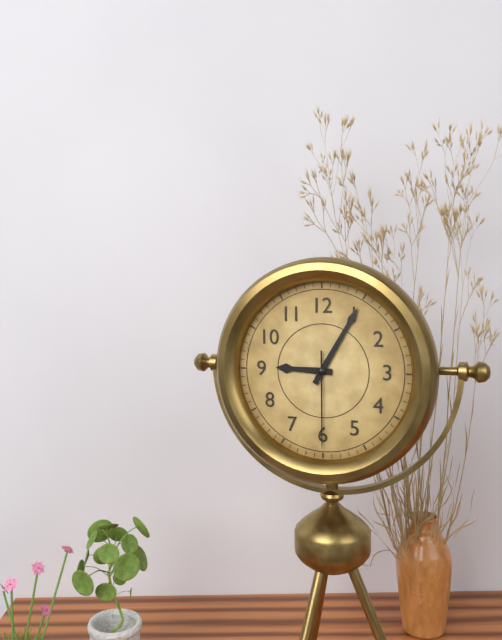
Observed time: 9:05:30
